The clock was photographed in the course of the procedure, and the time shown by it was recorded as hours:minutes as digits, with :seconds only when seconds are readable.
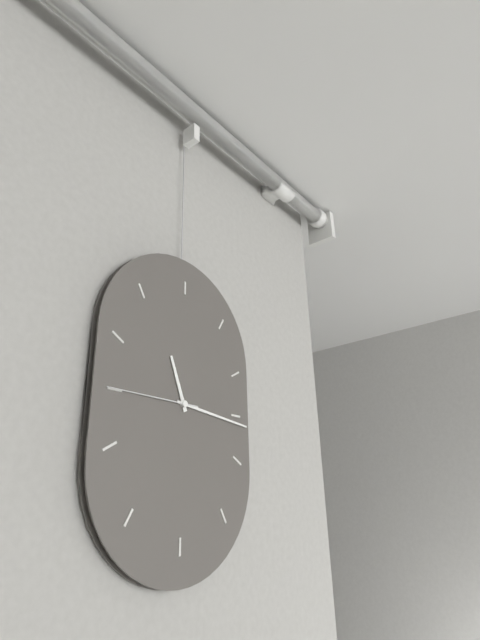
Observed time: 11:16:45
